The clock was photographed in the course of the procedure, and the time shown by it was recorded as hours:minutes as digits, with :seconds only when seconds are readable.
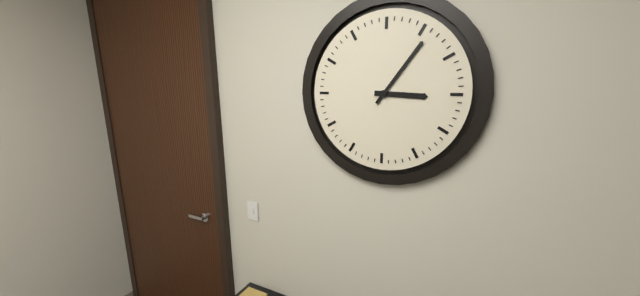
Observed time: 3:06
